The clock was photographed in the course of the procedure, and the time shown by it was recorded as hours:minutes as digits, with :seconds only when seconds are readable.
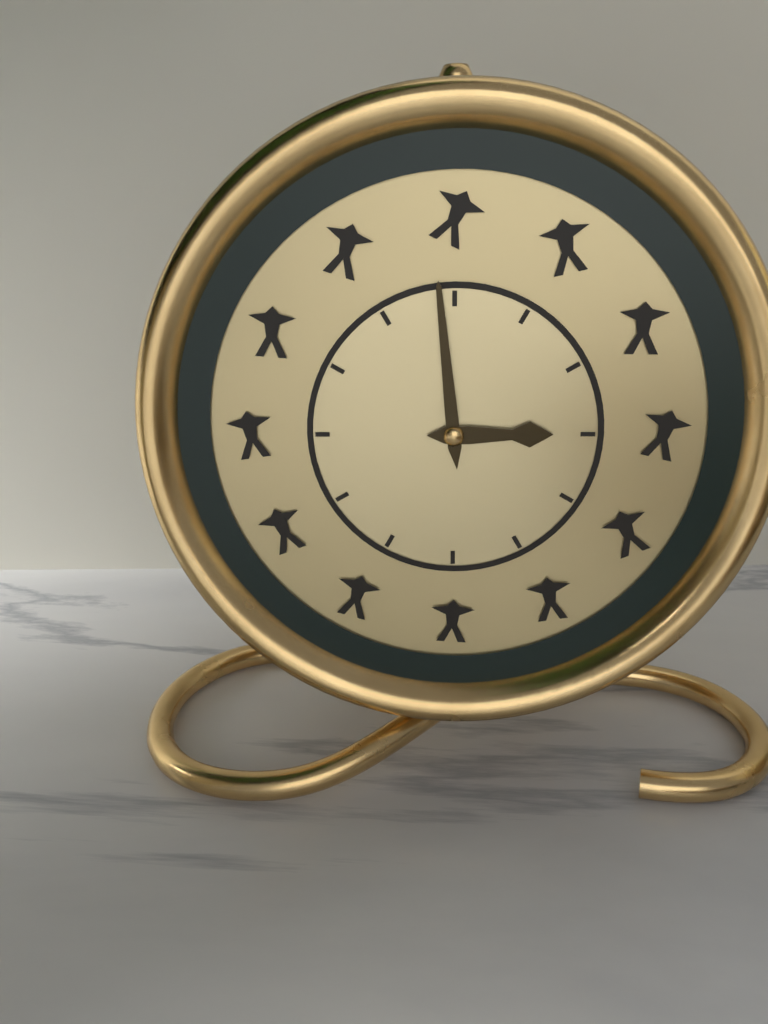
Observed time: 2:59
